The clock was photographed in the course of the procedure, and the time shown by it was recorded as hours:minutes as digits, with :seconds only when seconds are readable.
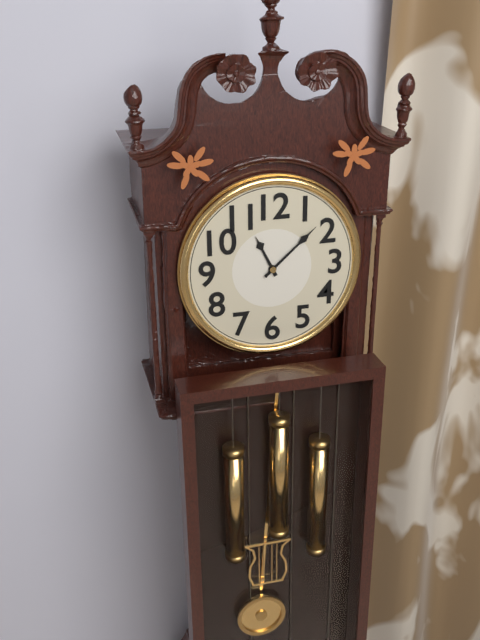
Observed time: 11:08
